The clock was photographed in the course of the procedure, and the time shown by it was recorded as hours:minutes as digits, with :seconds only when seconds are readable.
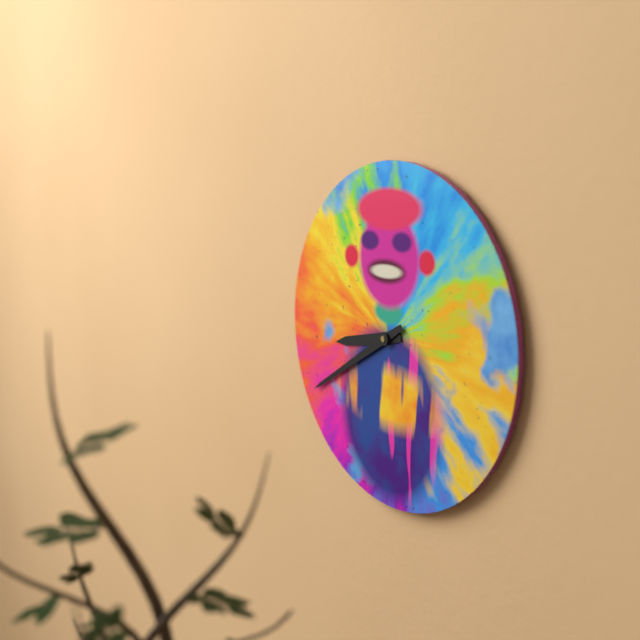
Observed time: 8:40
